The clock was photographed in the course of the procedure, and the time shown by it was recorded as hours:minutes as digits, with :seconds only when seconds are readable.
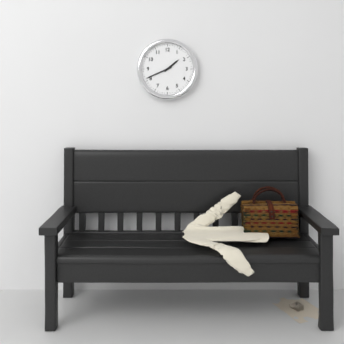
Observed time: 1:41
